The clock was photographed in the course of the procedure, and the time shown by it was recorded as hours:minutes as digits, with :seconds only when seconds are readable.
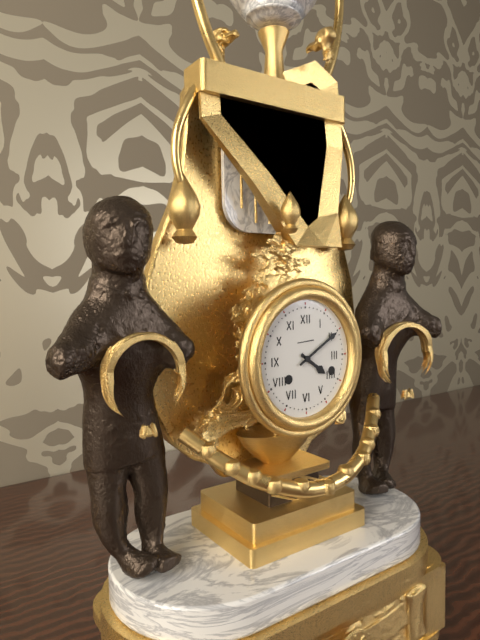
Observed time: 4:10
